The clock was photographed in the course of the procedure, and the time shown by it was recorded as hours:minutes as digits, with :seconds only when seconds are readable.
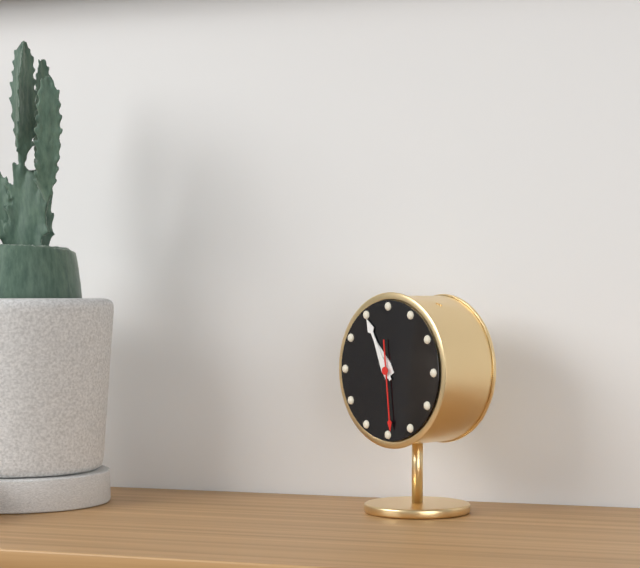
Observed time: 10:55:29
